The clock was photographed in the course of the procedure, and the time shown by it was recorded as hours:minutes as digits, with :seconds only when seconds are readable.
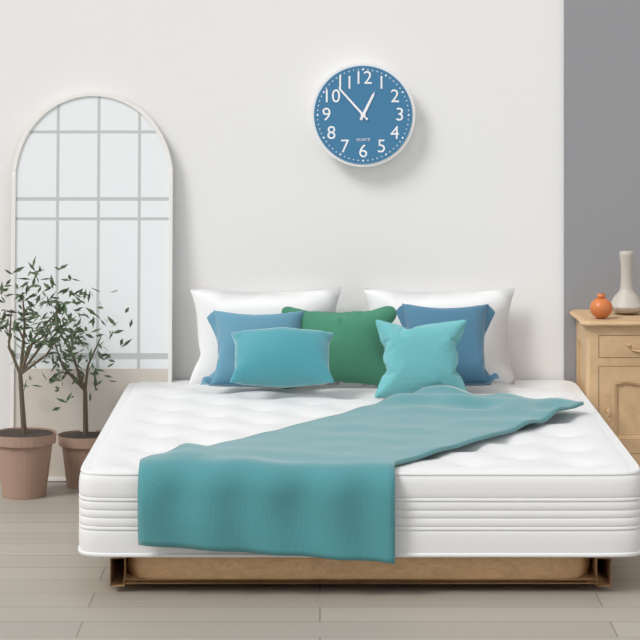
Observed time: 12:53
